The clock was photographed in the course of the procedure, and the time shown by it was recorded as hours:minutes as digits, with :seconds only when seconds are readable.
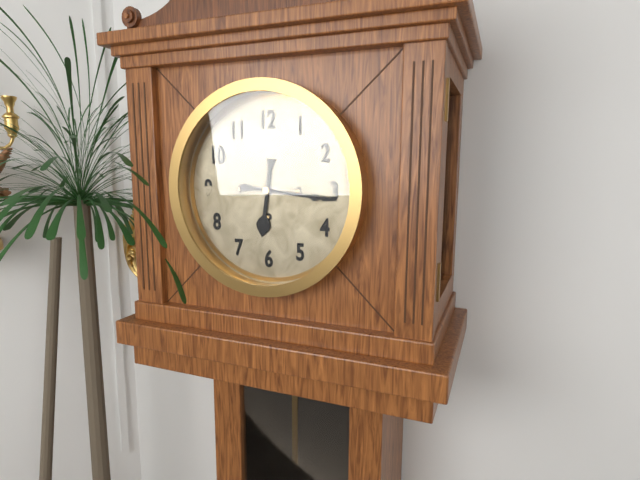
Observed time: 6:16
